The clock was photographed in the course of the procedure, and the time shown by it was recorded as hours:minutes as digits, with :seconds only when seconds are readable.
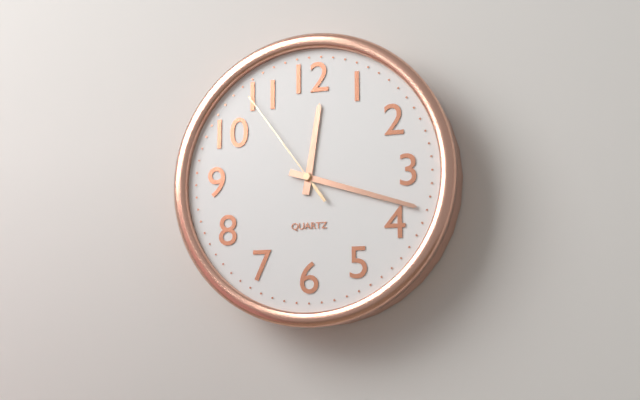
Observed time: 12:18:54
